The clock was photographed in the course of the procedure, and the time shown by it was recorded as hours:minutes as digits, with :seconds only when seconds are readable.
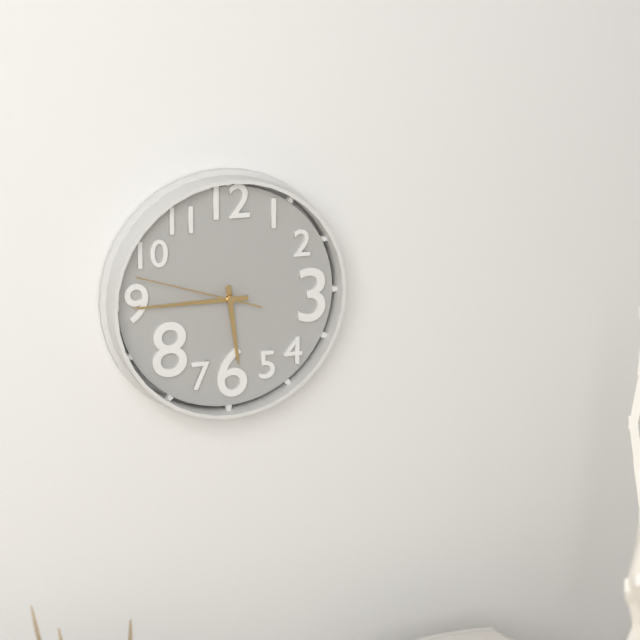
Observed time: 5:45:48
